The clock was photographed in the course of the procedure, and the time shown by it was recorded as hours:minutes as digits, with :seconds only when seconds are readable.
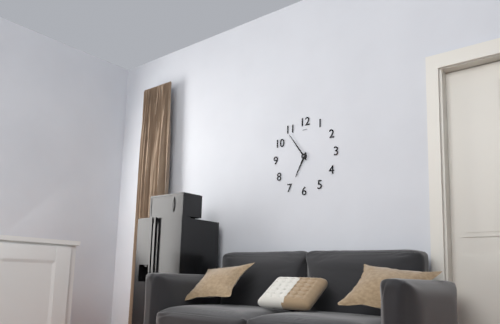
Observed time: 6:54
